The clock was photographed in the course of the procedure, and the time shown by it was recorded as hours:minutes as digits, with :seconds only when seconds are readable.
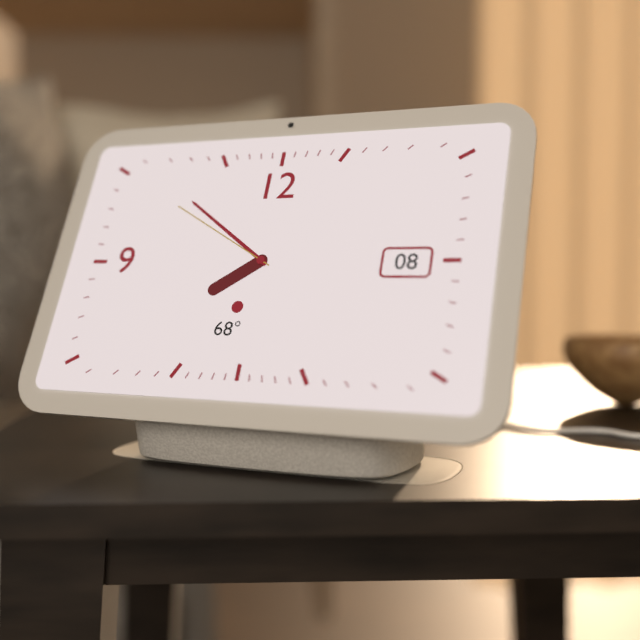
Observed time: 7:51:50
